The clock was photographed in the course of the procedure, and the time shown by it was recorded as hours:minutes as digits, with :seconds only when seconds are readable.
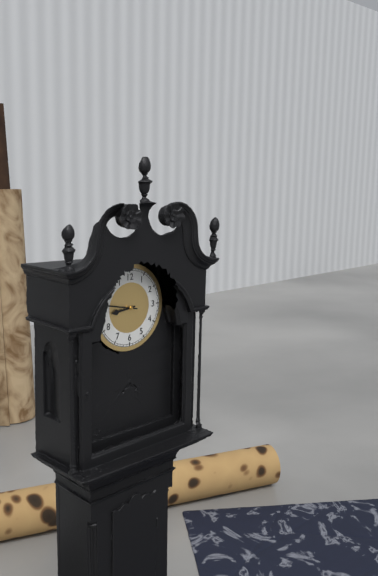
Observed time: 8:47
